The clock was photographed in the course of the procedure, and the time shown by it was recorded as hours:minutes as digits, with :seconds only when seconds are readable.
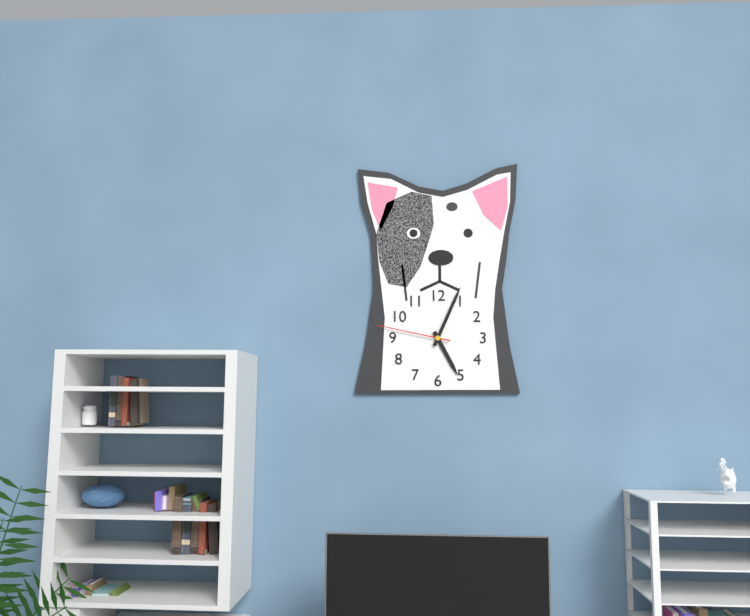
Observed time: 5:04:47
